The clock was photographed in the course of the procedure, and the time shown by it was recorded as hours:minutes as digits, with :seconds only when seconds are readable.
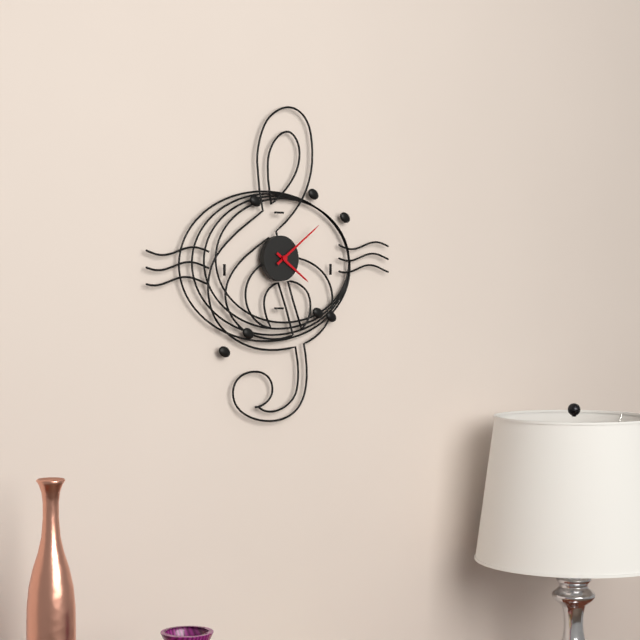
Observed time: 4:09
